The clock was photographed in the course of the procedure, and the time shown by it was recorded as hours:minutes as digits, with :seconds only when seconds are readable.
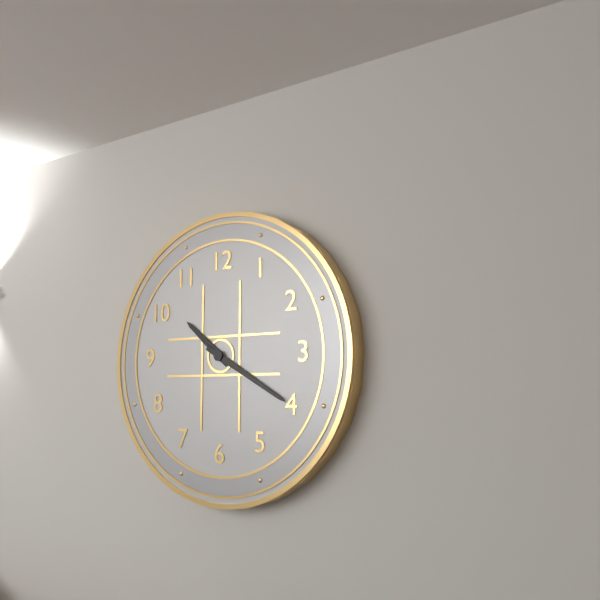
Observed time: 10:20
